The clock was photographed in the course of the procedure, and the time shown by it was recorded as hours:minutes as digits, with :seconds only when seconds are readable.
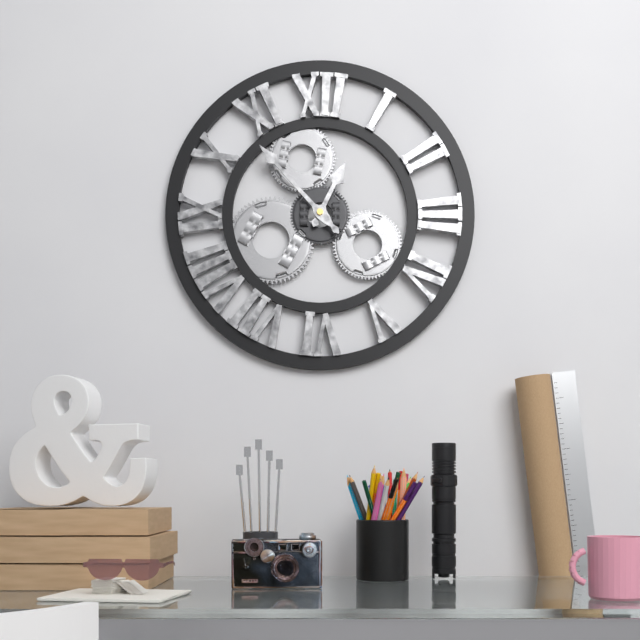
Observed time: 12:53
